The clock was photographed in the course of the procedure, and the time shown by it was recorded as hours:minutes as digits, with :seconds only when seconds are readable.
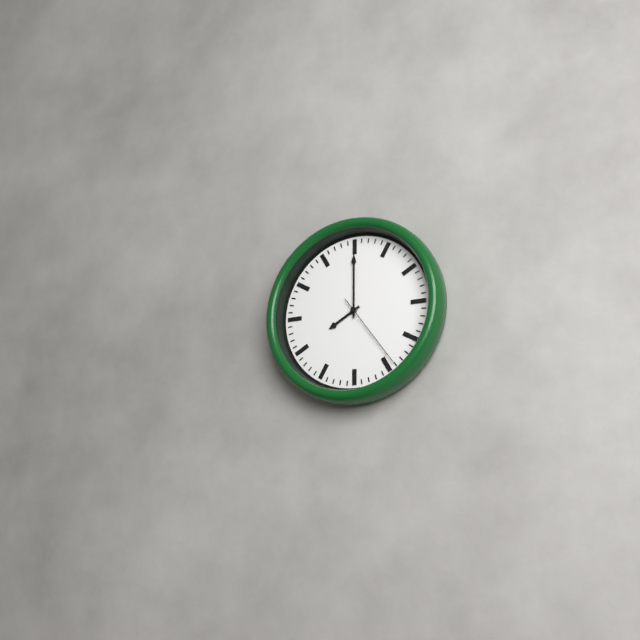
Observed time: 8:00:24
